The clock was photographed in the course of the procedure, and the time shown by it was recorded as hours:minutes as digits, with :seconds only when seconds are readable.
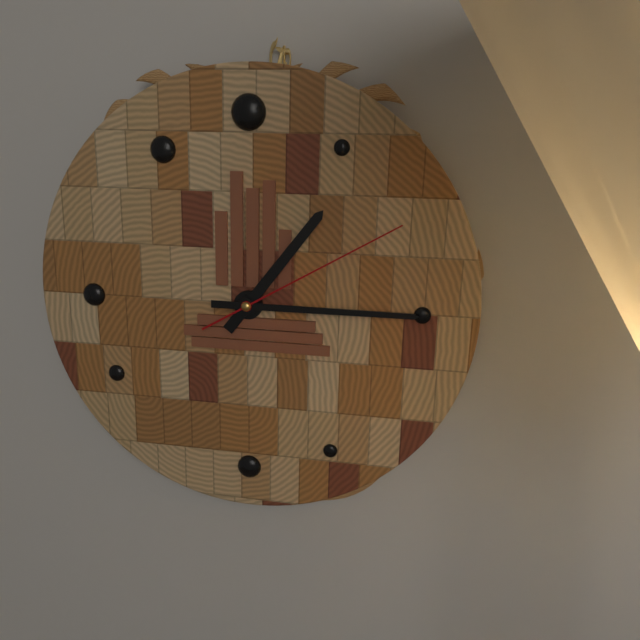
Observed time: 1:15:10
